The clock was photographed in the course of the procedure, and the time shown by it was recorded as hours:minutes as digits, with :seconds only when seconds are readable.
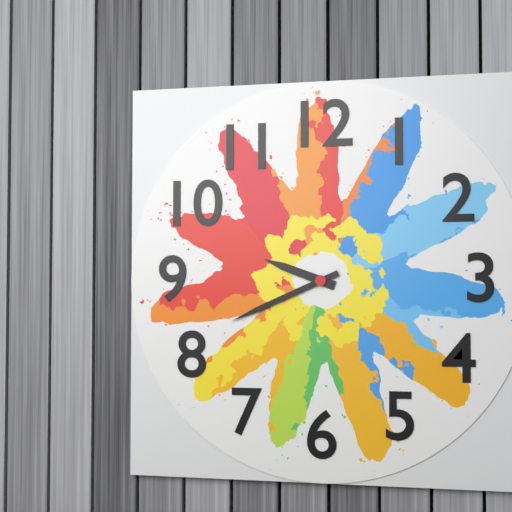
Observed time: 9:41
